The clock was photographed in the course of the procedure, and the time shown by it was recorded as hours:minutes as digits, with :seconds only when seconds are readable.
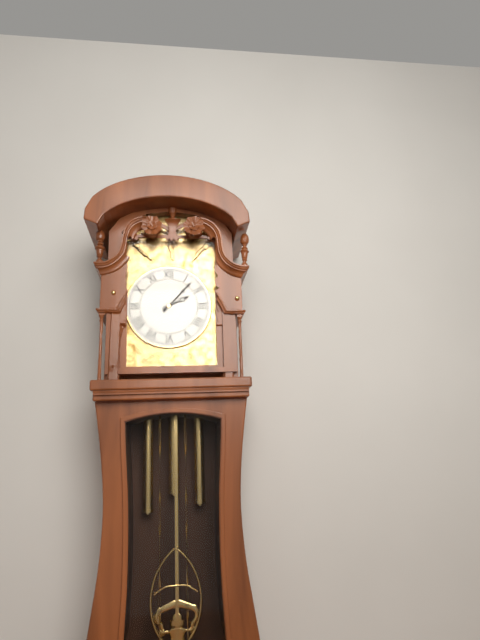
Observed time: 2:07
